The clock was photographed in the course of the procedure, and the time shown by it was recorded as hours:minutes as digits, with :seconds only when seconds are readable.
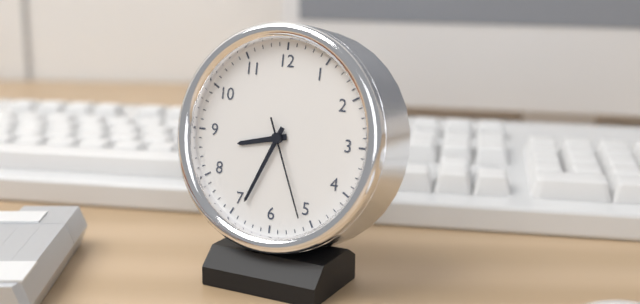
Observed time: 8:34:26
